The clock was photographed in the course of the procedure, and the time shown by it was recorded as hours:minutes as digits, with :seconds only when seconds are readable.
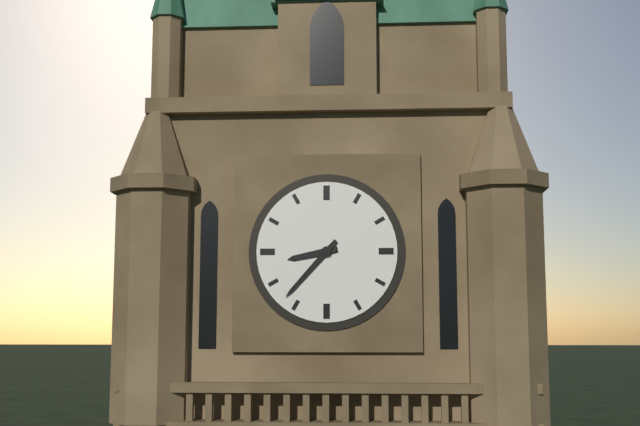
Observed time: 8:37
